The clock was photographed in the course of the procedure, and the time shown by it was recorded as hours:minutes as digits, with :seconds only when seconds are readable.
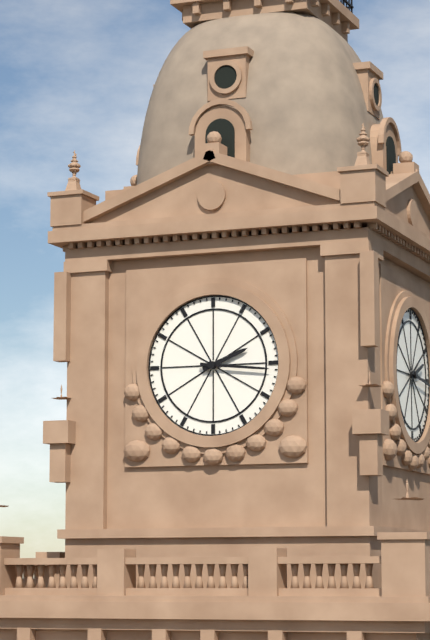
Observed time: 2:16
